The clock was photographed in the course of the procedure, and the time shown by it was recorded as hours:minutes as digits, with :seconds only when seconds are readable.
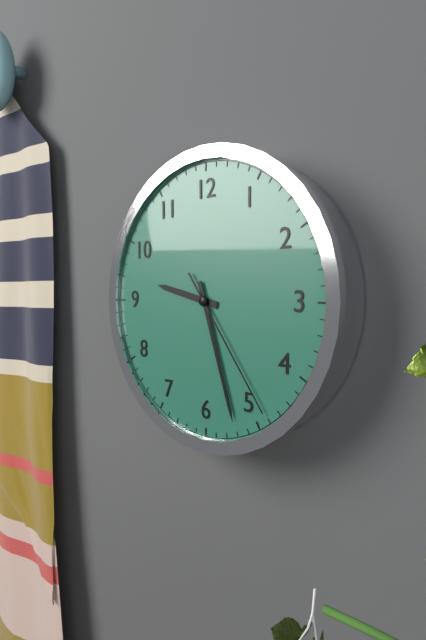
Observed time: 9:27:24
